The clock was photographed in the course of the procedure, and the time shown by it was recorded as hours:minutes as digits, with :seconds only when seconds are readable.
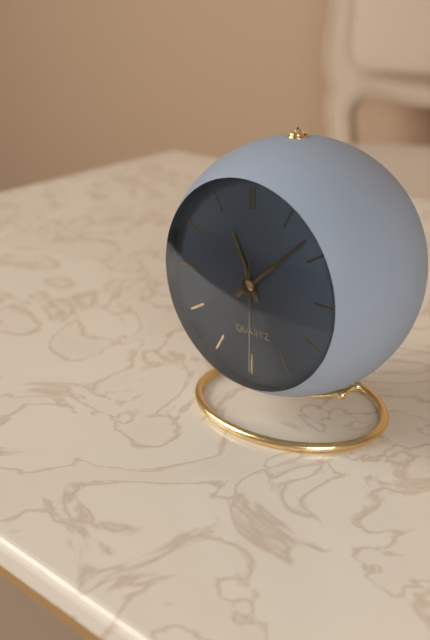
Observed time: 11:08:30
